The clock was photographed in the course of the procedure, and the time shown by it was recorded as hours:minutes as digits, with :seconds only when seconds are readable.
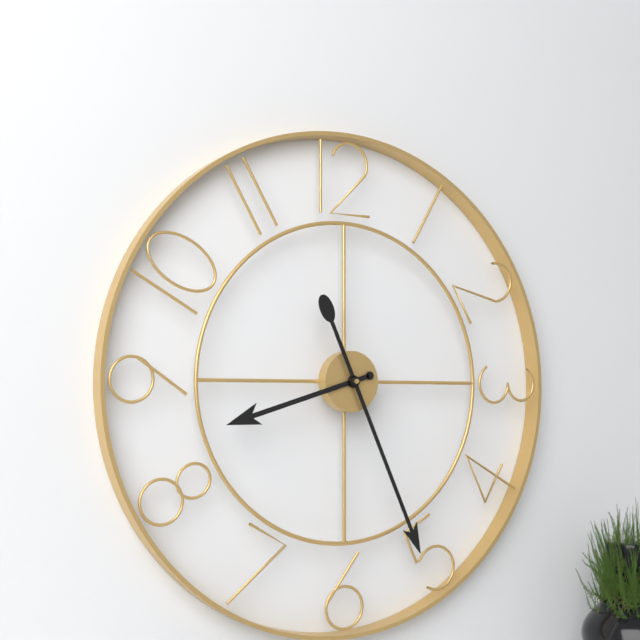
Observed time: 8:26
